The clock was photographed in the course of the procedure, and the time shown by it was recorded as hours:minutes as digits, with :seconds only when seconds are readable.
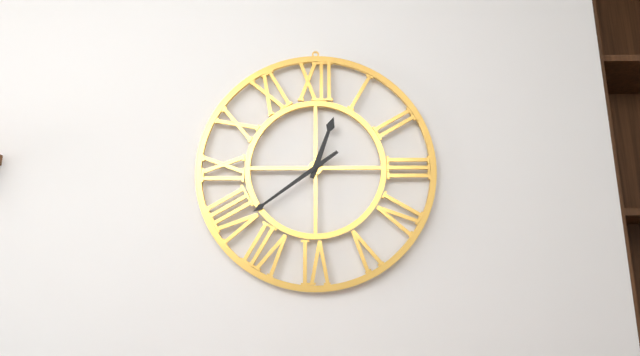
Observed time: 12:39
